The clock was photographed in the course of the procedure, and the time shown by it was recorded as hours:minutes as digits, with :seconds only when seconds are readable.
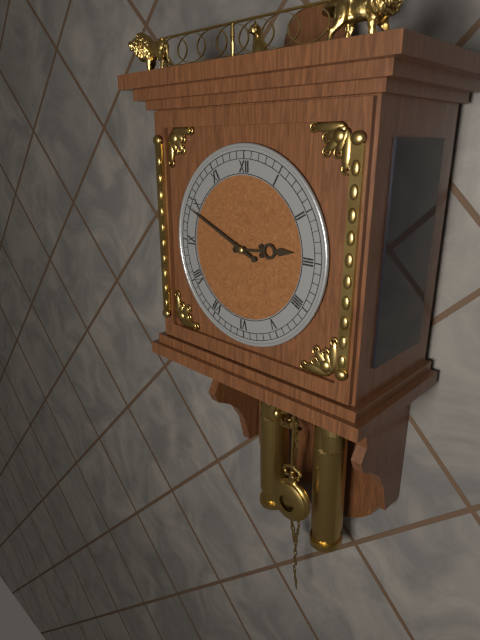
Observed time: 2:49
